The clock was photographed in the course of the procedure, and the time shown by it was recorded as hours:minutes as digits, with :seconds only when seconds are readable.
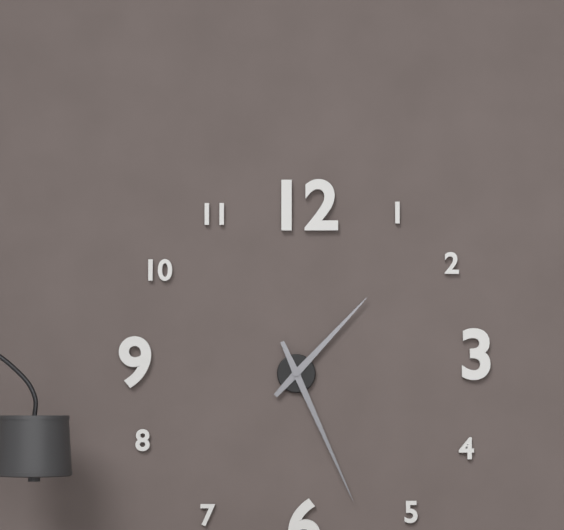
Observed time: 1:26
